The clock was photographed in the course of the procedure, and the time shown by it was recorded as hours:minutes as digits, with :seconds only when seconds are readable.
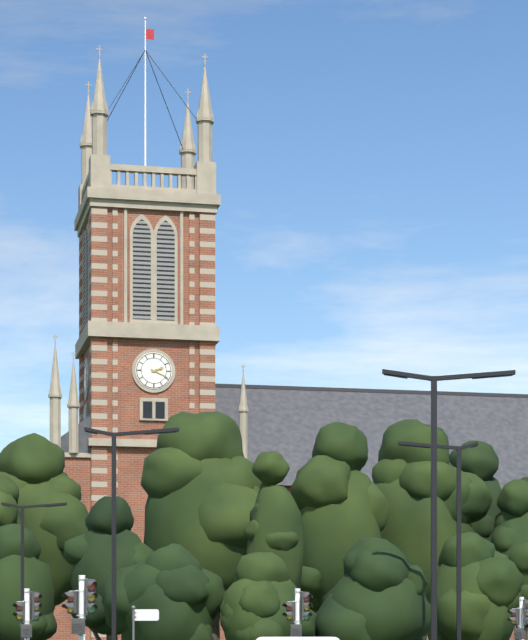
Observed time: 2:19
